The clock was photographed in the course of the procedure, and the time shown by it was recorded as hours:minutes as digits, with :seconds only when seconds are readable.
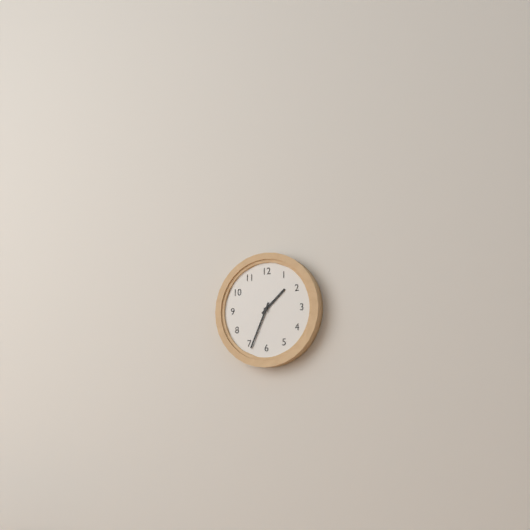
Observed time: 1:34
